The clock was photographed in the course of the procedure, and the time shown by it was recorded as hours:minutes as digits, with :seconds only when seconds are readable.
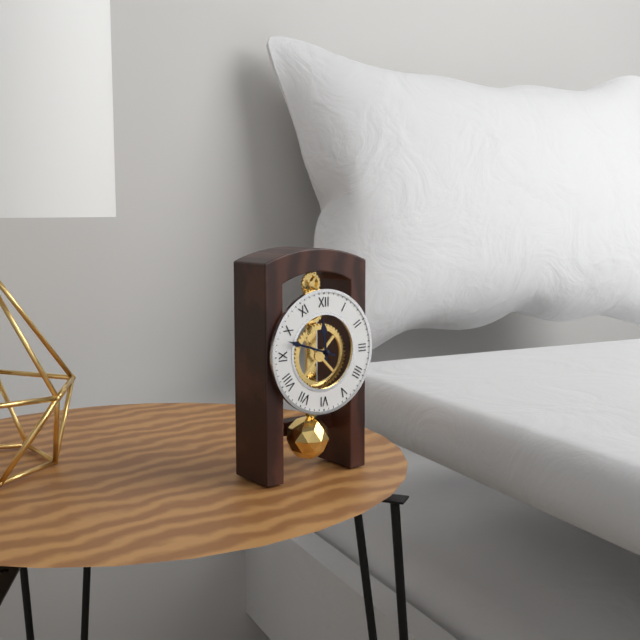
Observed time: 11:48
